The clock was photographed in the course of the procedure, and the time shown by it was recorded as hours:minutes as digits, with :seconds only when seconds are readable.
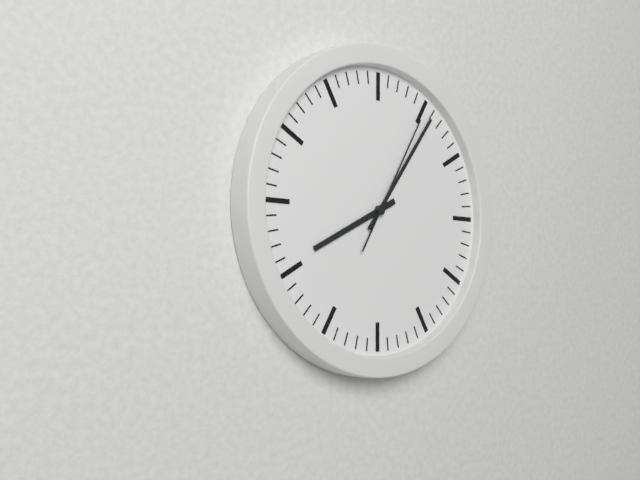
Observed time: 8:06:05
